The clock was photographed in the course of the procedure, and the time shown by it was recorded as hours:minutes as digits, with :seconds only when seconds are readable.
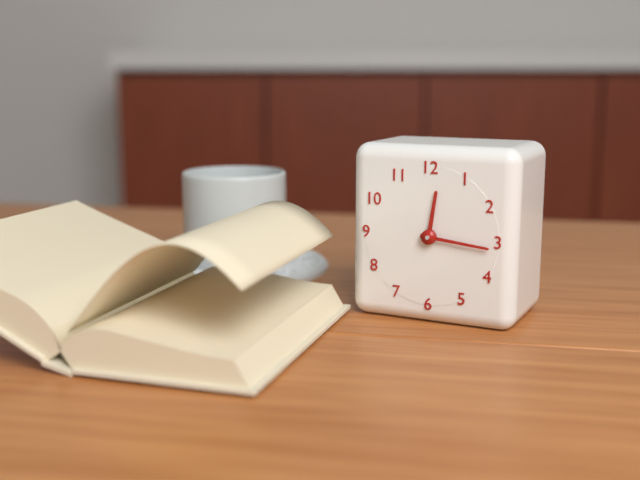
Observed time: 12:16
